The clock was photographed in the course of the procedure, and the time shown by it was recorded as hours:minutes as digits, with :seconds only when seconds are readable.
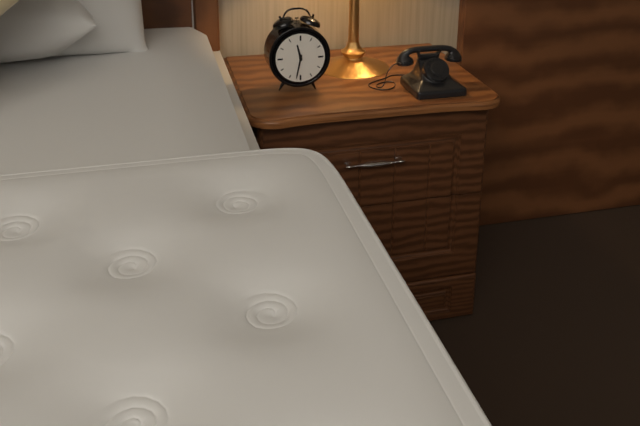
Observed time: 11:32
